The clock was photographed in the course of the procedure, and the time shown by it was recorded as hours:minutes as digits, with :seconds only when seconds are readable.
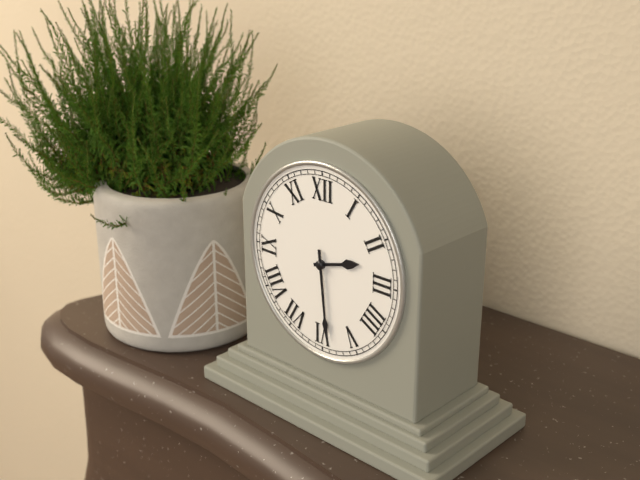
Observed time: 2:29
